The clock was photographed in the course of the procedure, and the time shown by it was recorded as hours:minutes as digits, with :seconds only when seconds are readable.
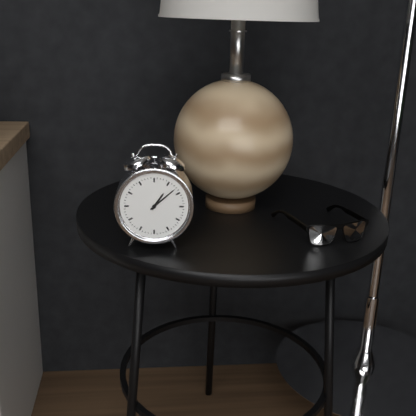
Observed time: 1:08
